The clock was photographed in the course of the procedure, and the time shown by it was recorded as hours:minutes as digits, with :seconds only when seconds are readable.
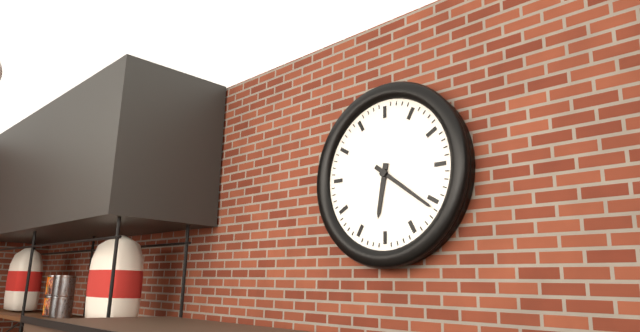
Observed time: 6:21
